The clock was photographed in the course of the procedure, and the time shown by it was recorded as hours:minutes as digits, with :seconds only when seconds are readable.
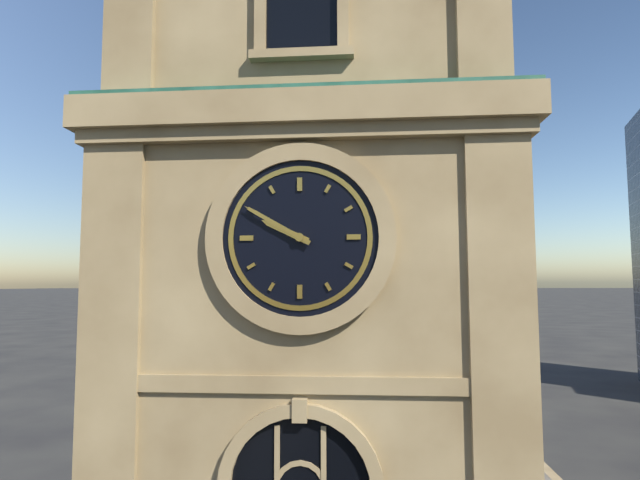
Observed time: 9:50
